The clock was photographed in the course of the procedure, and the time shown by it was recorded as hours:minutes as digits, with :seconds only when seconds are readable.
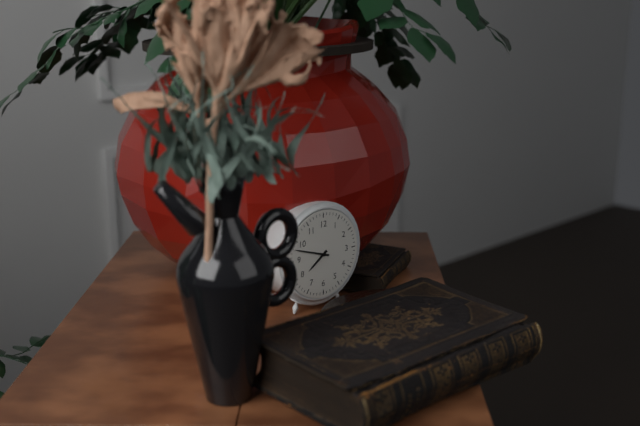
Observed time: 7:48
